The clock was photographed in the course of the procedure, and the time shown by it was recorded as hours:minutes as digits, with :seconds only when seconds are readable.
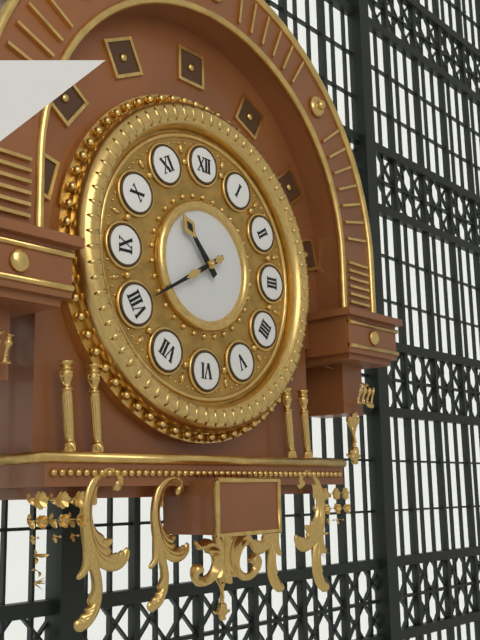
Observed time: 10:40
